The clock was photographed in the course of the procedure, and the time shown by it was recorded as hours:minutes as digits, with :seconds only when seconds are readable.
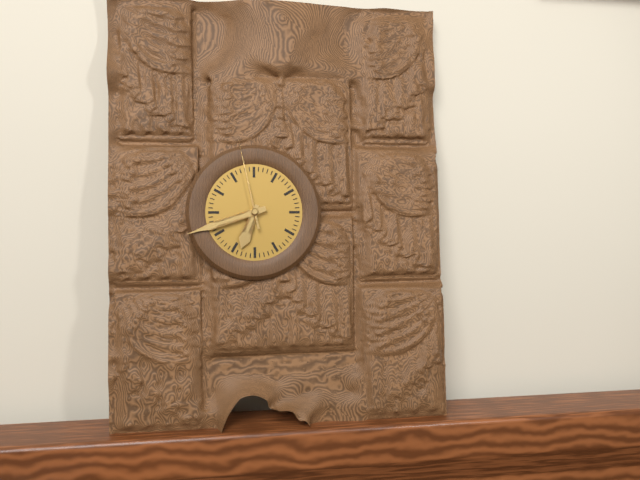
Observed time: 6:42:58
